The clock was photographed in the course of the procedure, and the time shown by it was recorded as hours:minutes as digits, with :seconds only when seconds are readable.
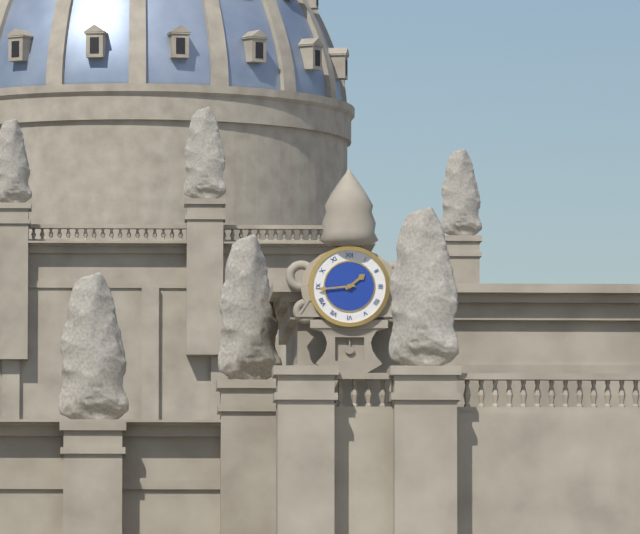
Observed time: 1:44
